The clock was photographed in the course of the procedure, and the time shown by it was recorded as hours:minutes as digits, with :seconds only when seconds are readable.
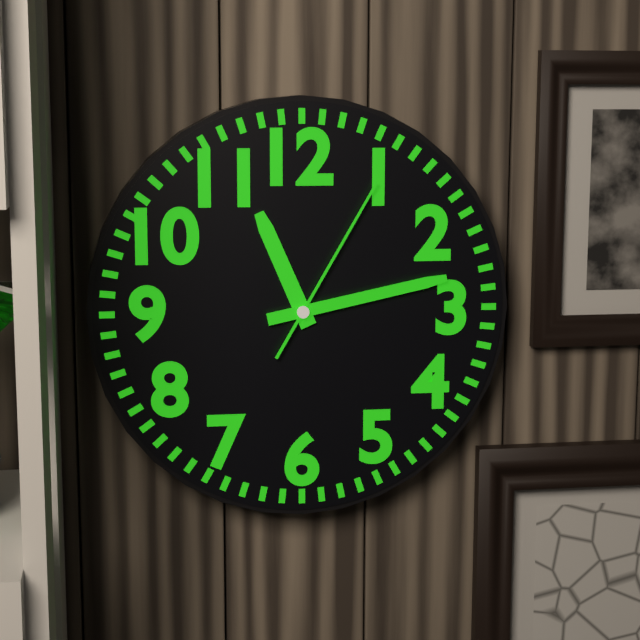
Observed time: 11:13:05
